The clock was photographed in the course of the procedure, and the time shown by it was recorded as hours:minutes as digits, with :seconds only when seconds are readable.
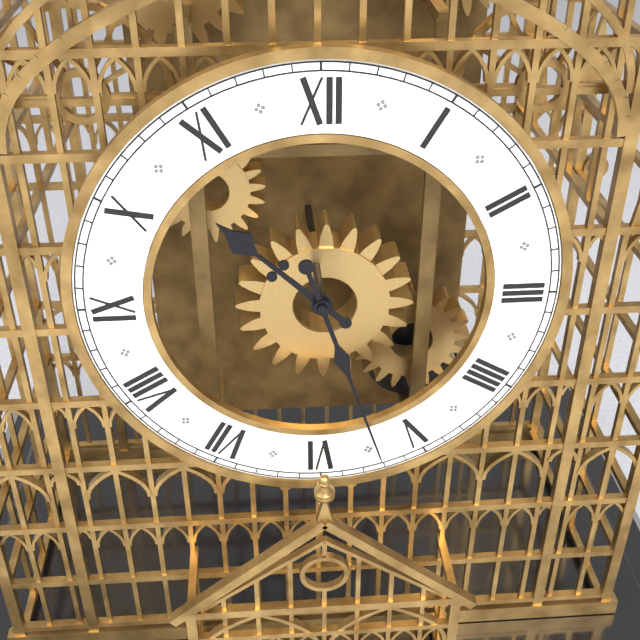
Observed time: 10:27
